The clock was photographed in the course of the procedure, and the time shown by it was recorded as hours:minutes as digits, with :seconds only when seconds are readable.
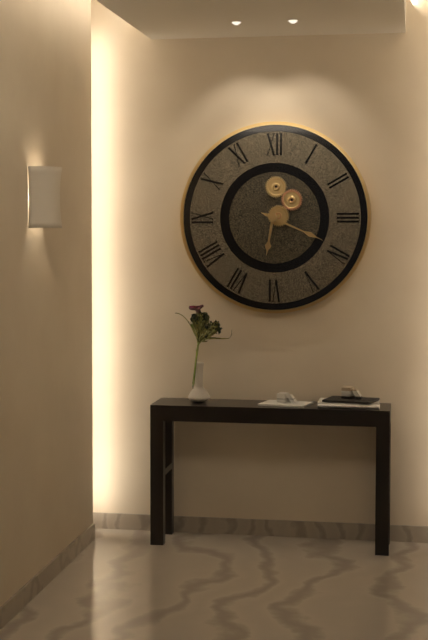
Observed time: 6:19
